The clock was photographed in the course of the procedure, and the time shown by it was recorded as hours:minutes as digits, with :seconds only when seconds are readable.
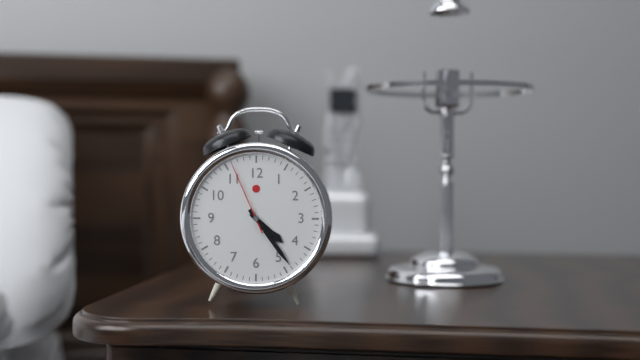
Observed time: 4:24:56
